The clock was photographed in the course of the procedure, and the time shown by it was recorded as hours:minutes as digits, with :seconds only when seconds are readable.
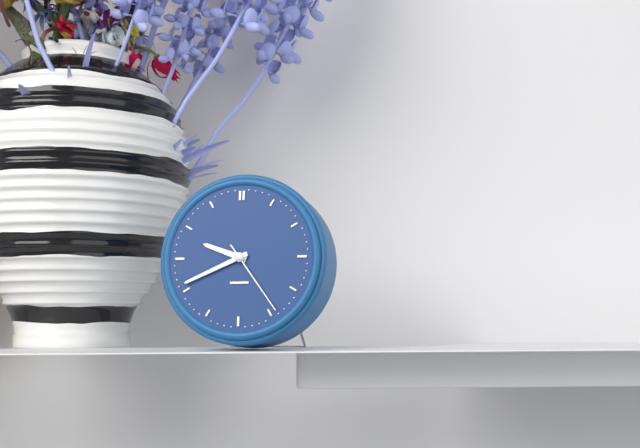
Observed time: 9:41:24
